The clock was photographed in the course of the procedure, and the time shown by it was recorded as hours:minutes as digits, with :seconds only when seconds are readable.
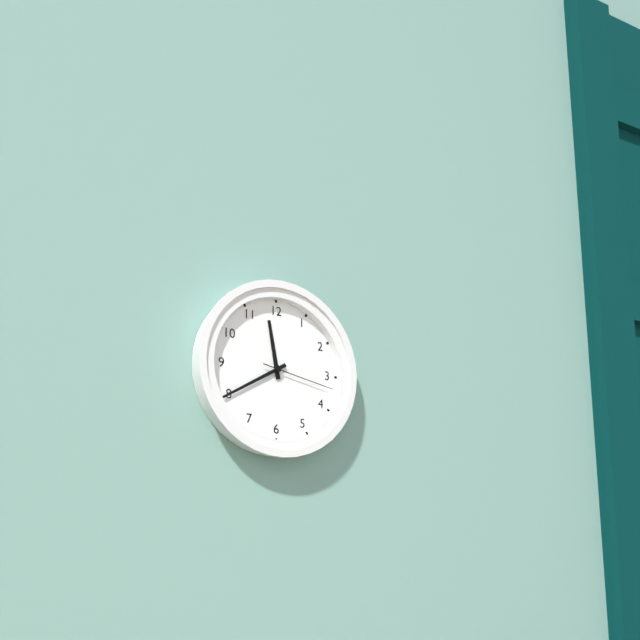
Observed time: 11:40:17
